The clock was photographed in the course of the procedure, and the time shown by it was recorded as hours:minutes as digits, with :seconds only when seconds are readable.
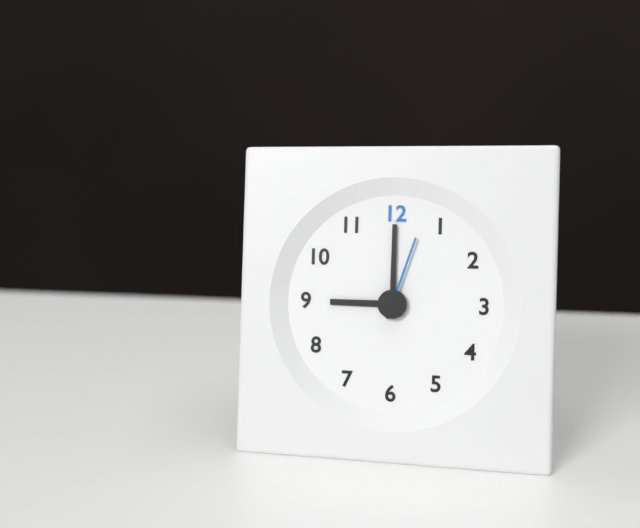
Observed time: 9:00:03
